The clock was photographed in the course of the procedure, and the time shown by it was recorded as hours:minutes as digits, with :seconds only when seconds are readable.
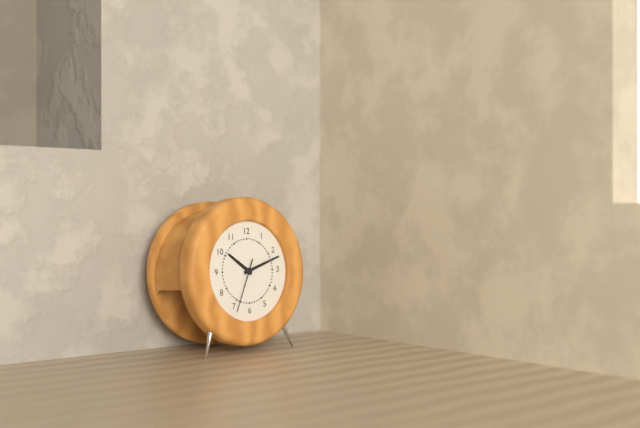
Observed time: 10:12:34
